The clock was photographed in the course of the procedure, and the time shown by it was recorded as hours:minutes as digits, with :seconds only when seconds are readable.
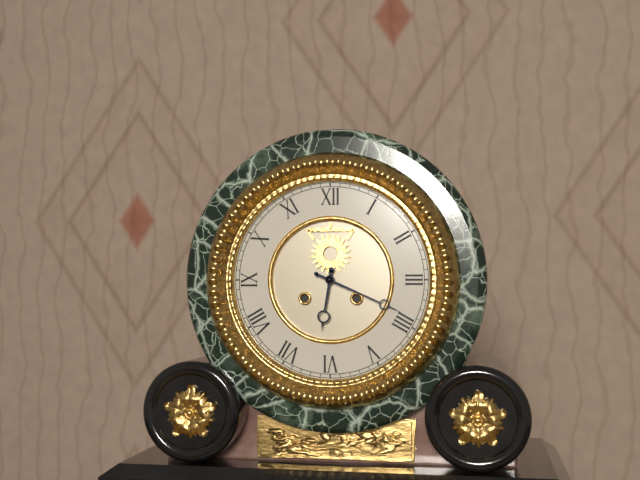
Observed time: 6:19
